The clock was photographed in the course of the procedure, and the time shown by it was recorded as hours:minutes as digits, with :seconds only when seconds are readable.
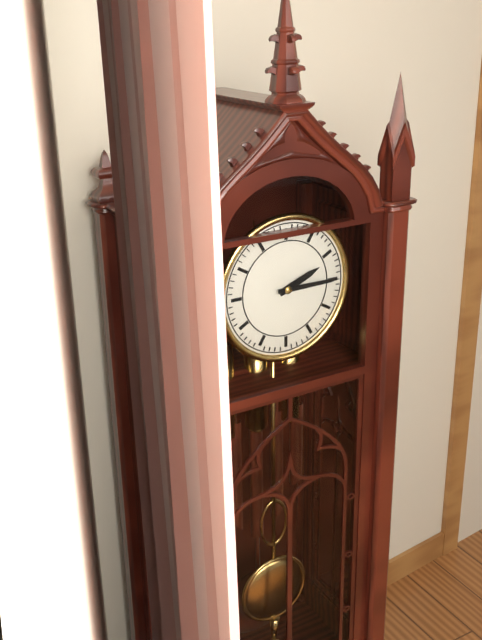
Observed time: 2:15
